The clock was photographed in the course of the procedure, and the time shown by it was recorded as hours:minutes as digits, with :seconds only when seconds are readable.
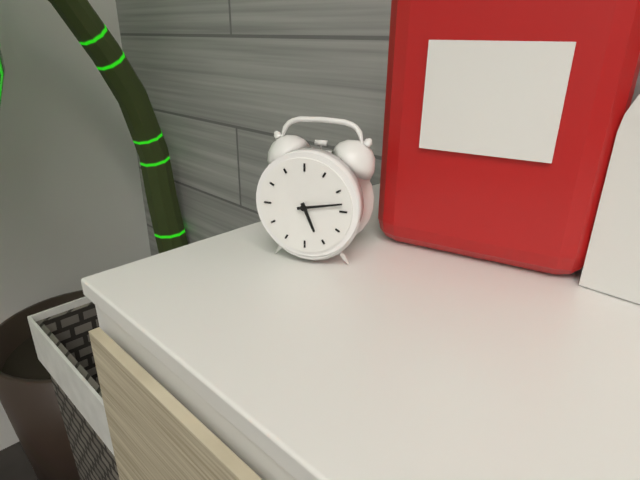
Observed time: 5:13
